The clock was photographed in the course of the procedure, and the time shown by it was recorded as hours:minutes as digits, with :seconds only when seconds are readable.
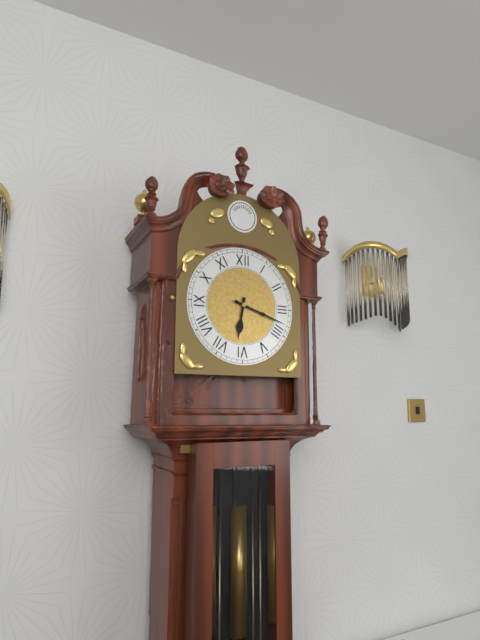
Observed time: 6:18
